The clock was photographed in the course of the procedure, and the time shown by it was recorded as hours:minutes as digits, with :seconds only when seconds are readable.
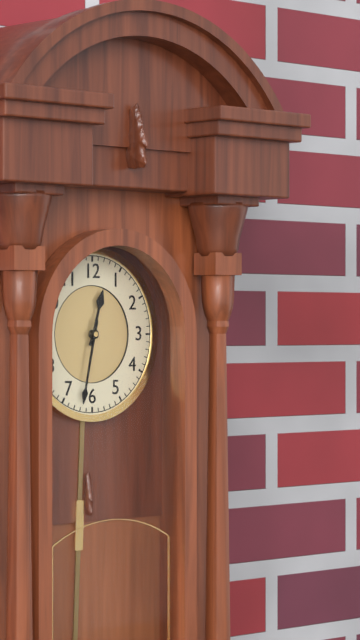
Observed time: 12:32
